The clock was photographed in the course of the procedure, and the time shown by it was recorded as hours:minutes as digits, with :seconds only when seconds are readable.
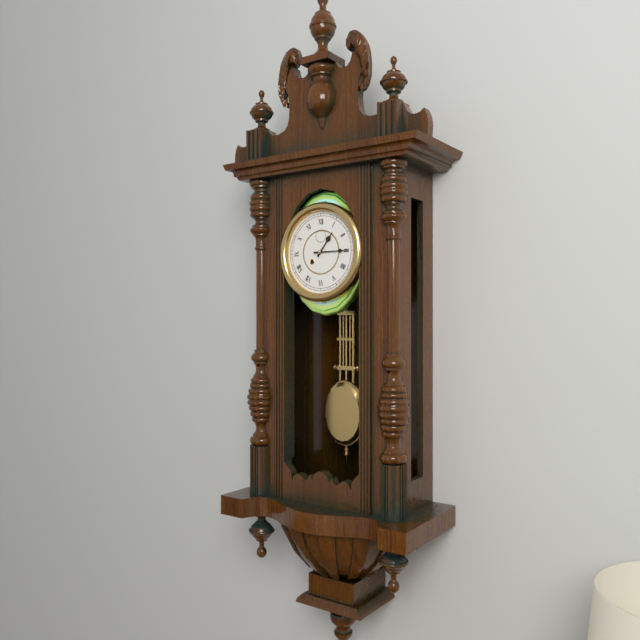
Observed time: 1:15
